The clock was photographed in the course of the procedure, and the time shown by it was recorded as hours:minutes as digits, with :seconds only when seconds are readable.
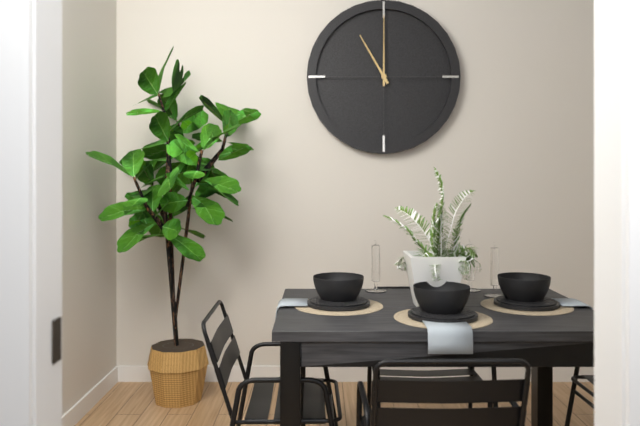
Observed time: 11:00
